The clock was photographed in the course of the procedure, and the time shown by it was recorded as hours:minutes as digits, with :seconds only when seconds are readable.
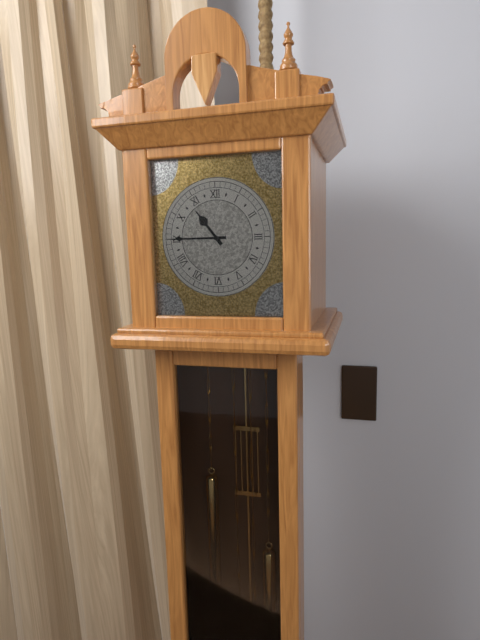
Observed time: 10:45
